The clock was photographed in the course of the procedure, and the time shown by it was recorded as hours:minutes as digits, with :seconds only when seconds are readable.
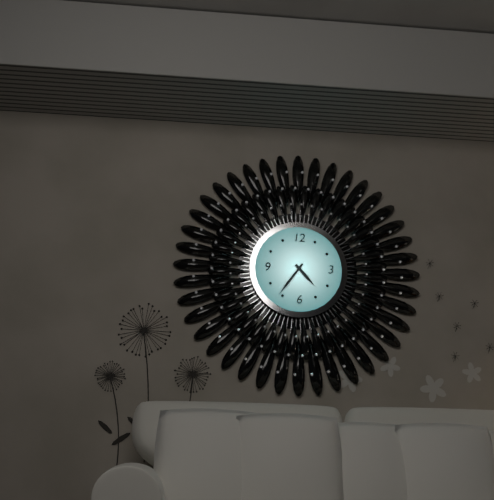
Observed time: 4:36
